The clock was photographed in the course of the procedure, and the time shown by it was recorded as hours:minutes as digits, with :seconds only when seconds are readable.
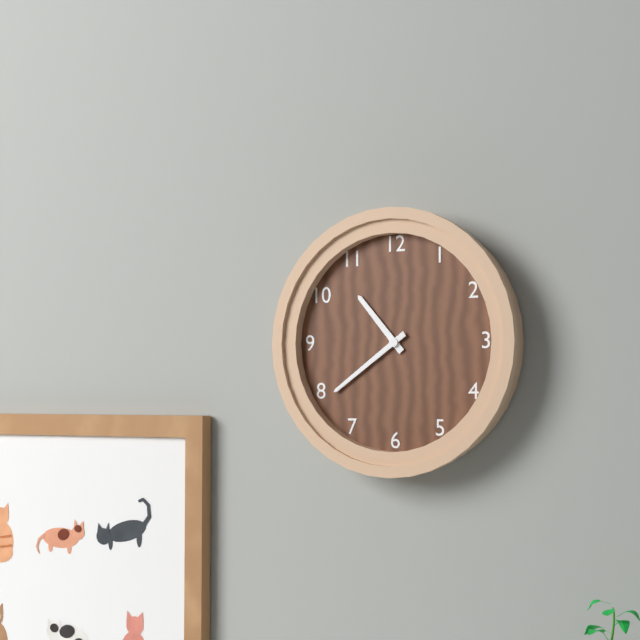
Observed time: 10:39
